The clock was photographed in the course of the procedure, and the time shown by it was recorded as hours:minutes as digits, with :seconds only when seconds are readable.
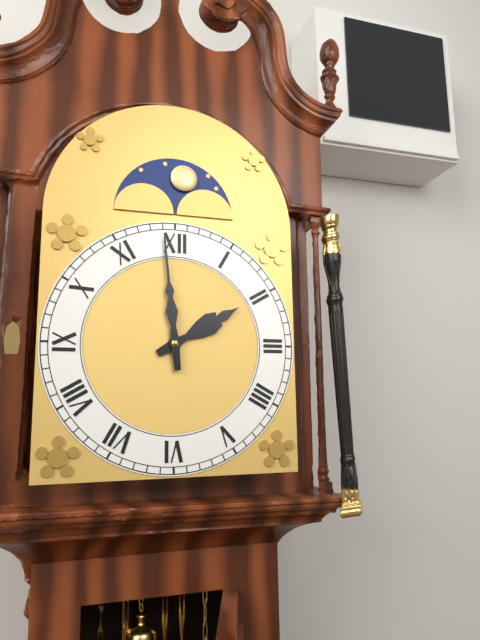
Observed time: 1:59
